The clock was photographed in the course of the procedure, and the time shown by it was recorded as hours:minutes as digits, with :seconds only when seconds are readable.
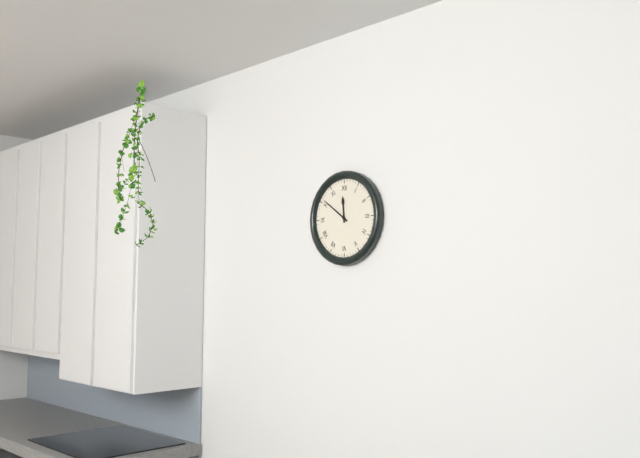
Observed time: 11:51
